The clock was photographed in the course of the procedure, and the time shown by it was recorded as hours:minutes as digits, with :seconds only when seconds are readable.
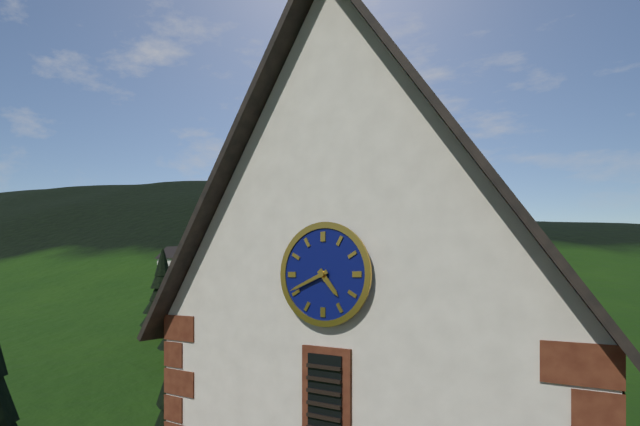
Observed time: 4:41
